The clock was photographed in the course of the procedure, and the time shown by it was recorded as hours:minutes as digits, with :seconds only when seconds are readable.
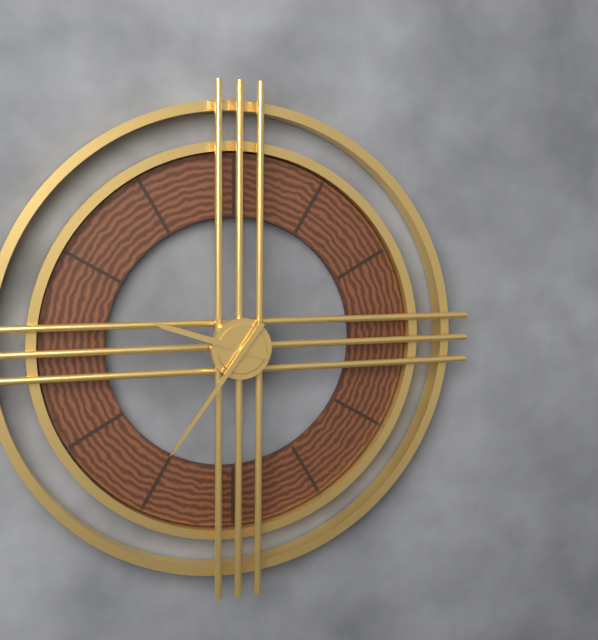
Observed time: 9:36
